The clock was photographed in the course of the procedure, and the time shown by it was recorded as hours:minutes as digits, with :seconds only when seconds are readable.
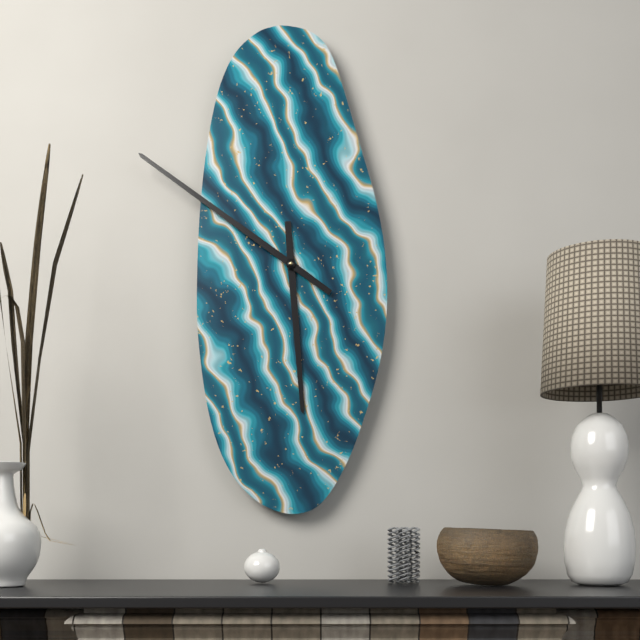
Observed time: 5:51
